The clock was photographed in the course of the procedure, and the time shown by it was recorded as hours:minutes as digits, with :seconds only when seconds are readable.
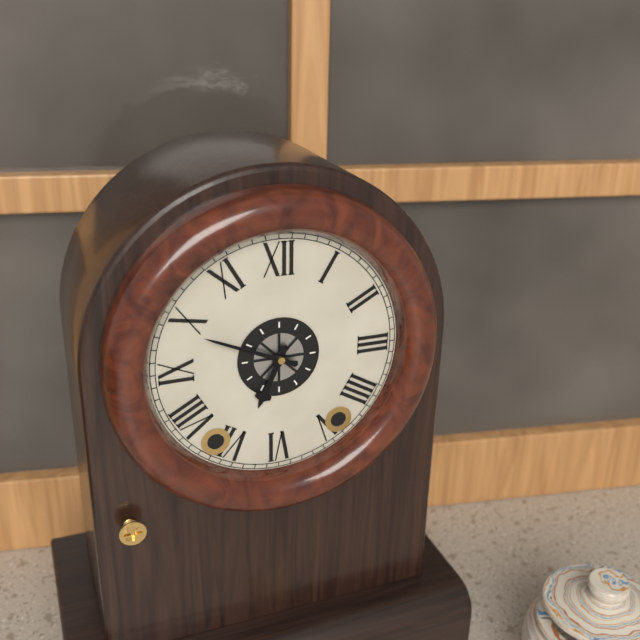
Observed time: 6:49
